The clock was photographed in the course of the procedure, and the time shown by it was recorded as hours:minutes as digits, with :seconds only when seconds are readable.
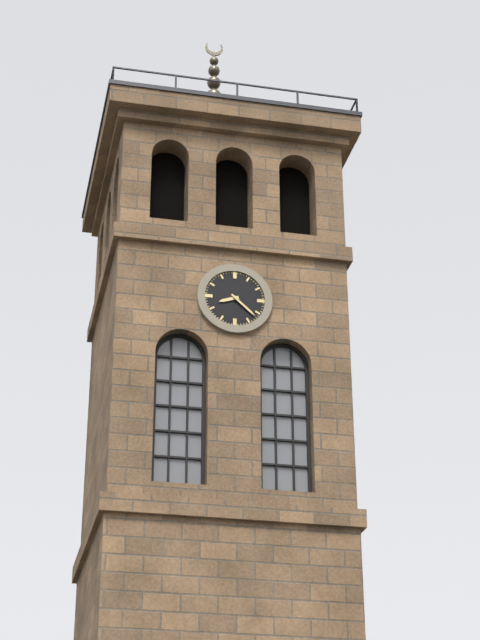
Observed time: 8:22
